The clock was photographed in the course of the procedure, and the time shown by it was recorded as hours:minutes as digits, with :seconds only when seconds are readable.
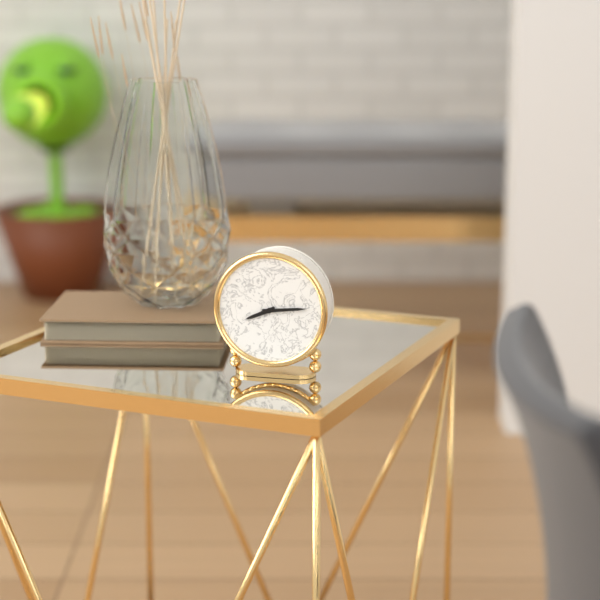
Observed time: 8:14
